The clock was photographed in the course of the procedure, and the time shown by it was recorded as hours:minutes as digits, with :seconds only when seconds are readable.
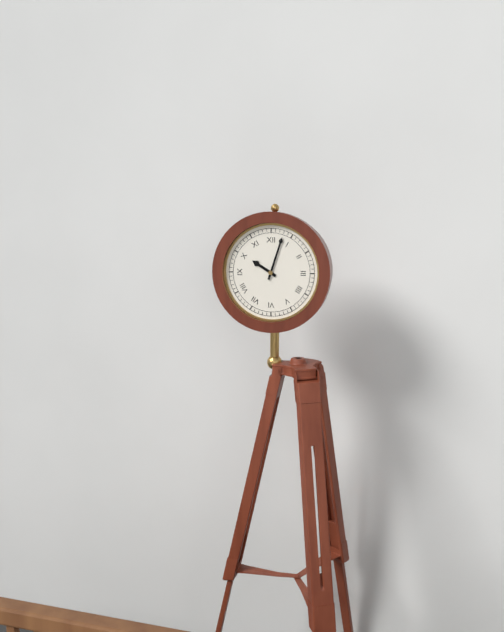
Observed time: 10:03
